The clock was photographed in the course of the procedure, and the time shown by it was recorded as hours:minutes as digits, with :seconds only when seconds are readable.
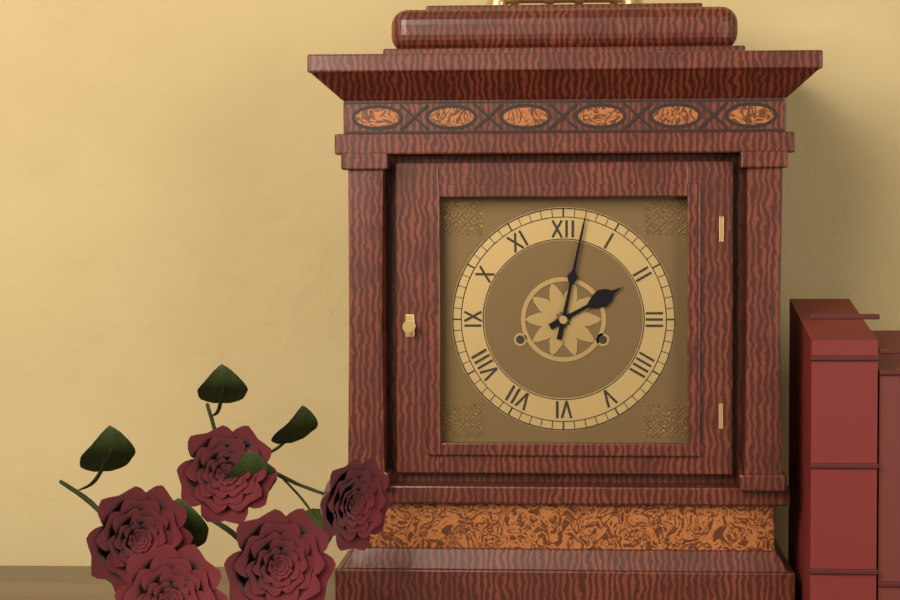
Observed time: 2:02
